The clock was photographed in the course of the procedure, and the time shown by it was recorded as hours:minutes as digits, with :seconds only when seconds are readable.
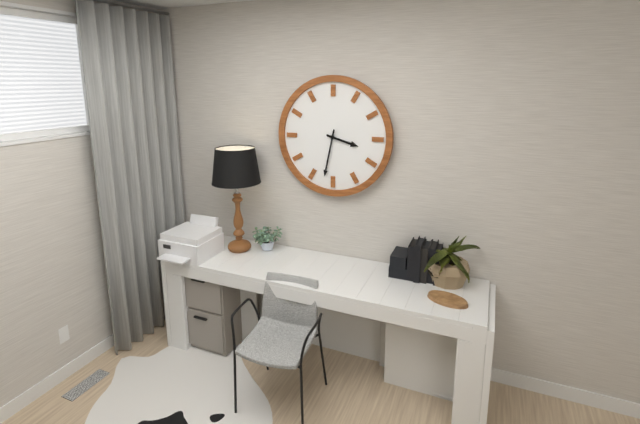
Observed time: 3:32
